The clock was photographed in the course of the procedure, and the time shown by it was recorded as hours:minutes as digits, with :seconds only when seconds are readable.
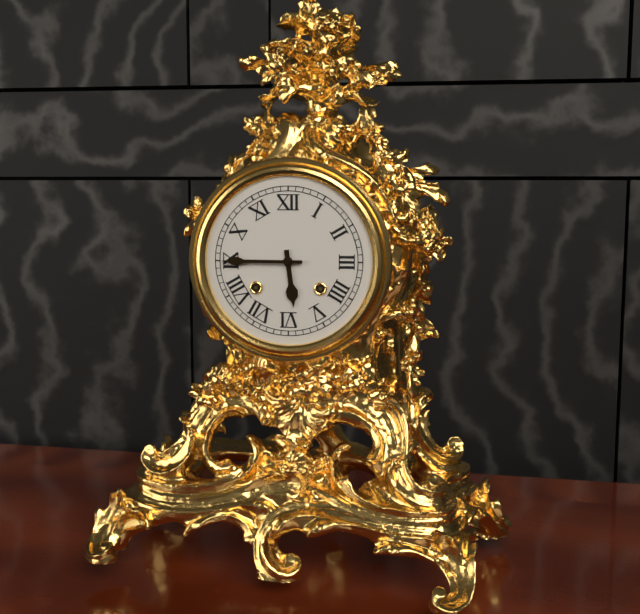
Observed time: 5:45
